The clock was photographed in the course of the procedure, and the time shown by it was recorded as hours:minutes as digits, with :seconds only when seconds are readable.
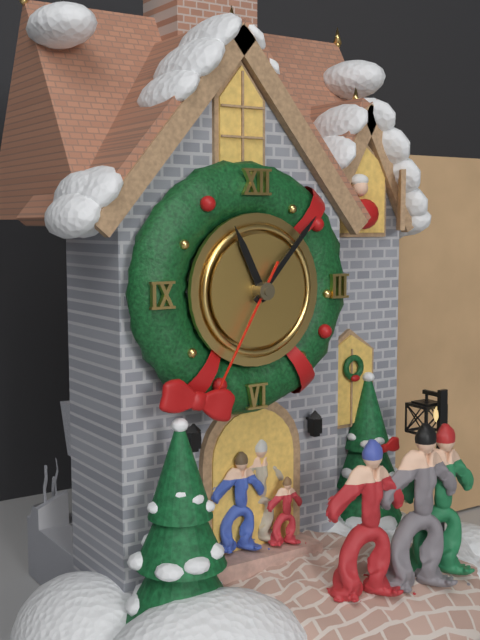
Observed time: 11:07:35
